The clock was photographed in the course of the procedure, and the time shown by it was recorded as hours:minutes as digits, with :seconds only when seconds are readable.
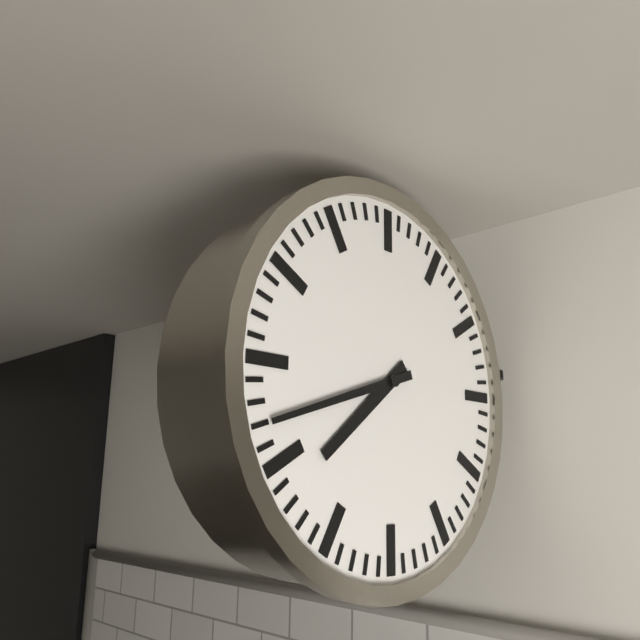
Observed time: 7:42
